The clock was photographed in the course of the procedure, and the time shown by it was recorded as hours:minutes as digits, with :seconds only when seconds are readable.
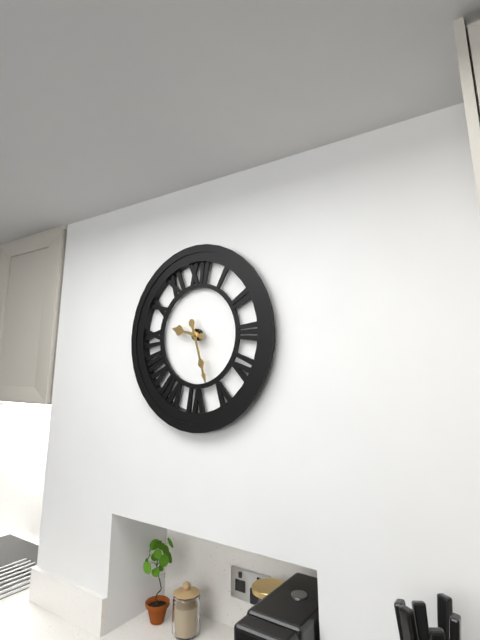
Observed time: 9:27
